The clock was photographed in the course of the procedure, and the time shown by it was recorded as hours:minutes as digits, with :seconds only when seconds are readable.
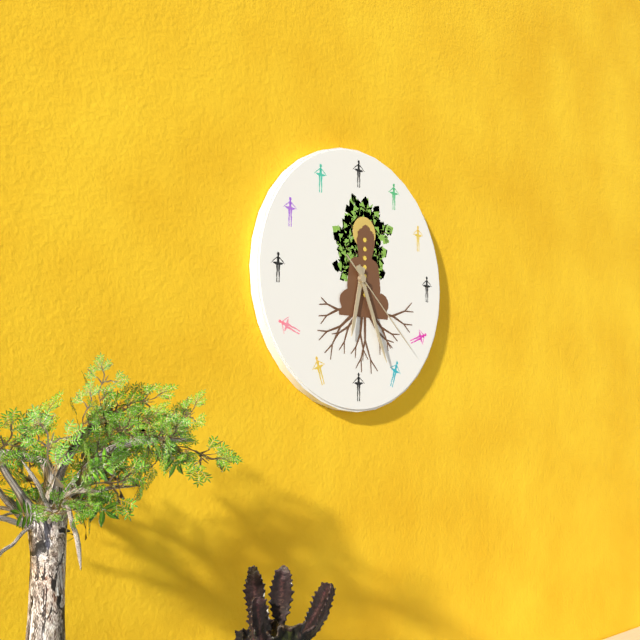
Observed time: 6:26:22
